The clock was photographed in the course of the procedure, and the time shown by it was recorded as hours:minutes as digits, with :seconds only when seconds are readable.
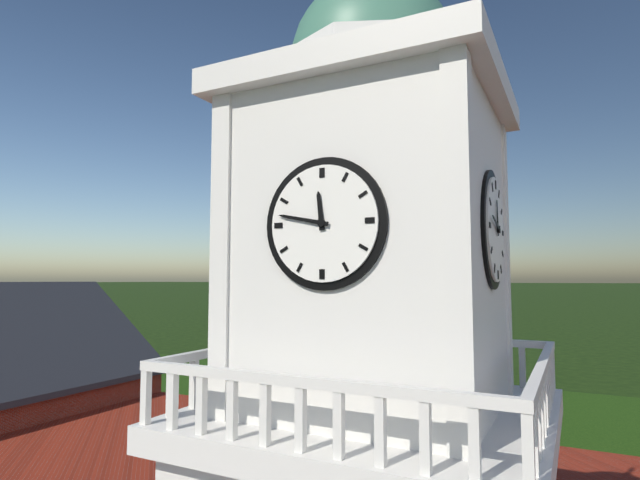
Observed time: 11:47
